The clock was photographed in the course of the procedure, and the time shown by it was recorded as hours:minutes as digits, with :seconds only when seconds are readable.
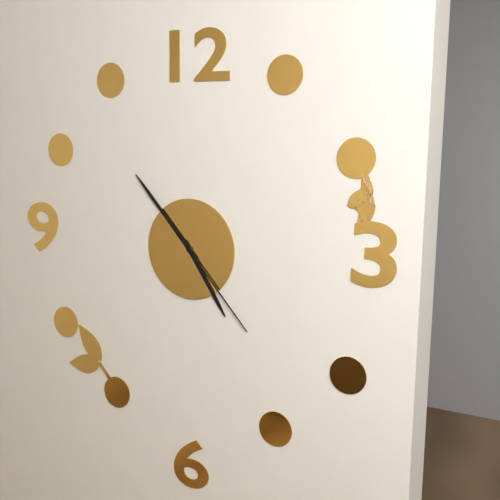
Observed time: 4:53:23
